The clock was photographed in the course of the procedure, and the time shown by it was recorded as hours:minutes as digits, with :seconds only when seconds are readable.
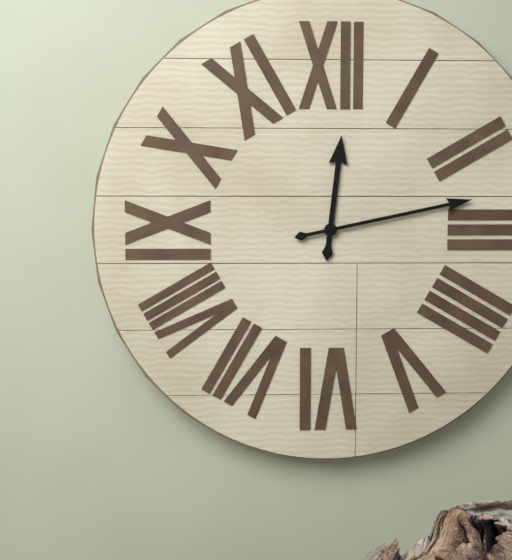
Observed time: 12:13
